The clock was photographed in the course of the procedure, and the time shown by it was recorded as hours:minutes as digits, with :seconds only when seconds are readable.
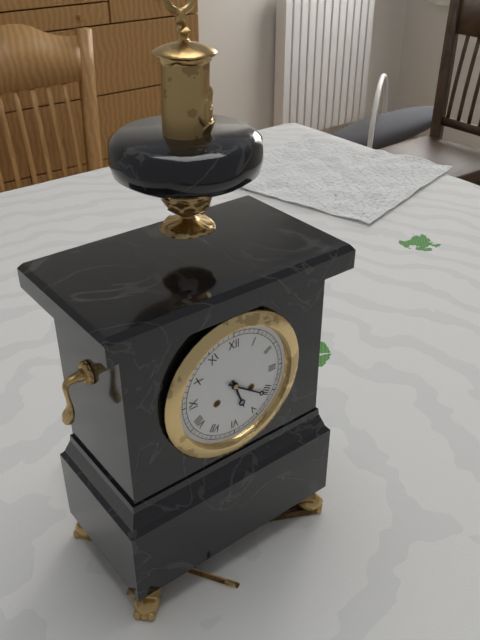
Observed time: 5:21
